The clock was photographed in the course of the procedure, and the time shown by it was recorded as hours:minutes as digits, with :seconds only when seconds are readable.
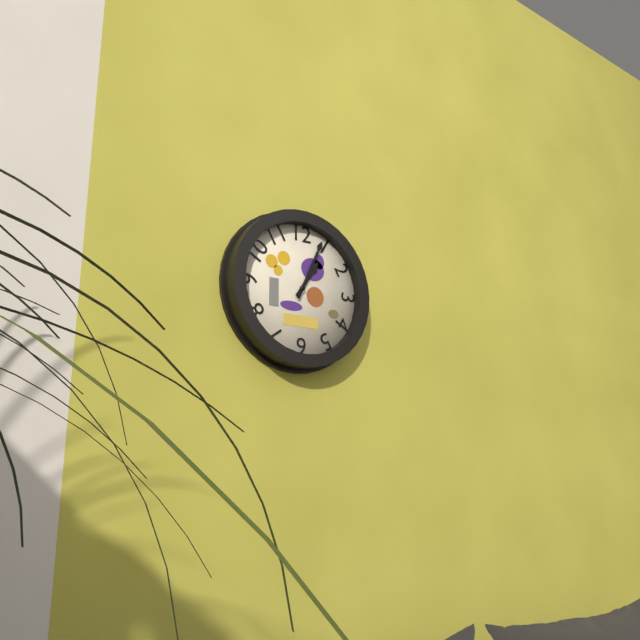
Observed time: 1:04
